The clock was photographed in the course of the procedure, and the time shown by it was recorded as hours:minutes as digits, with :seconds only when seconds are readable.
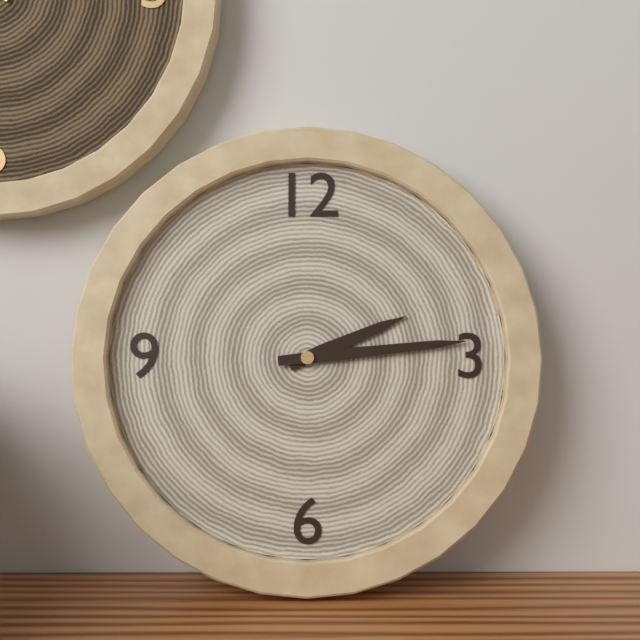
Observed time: 2:14
